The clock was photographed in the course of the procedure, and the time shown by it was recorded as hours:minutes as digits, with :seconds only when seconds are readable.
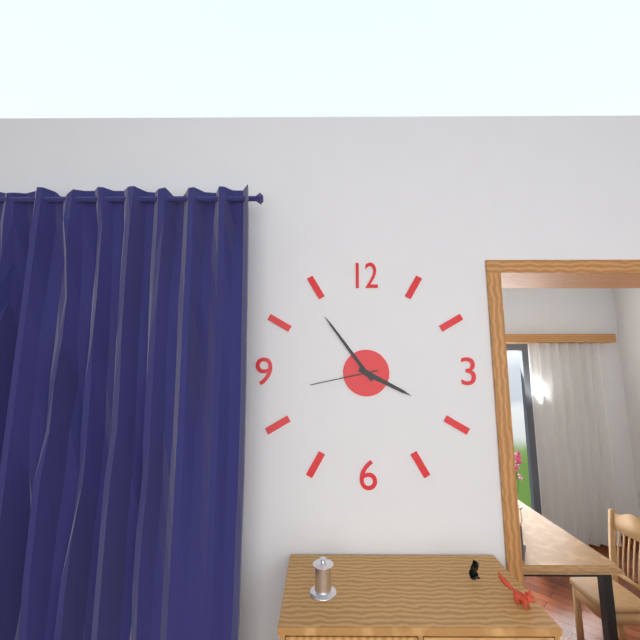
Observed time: 3:54:43
